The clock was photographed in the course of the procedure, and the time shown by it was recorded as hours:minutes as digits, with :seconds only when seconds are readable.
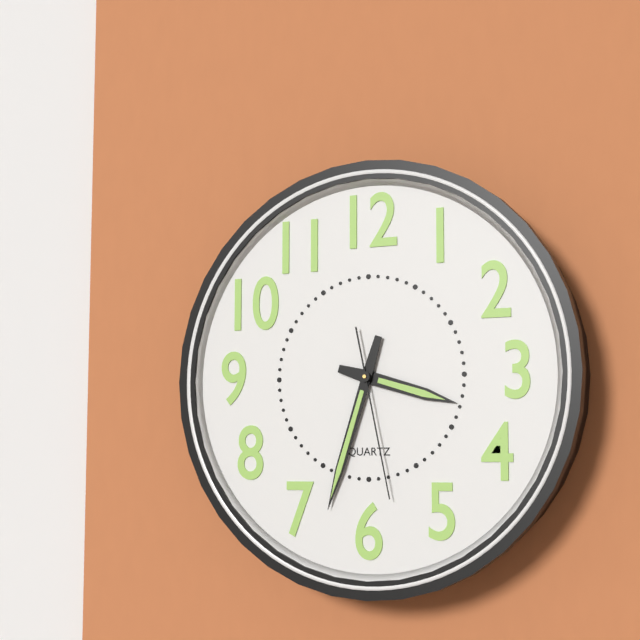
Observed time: 3:33:28
